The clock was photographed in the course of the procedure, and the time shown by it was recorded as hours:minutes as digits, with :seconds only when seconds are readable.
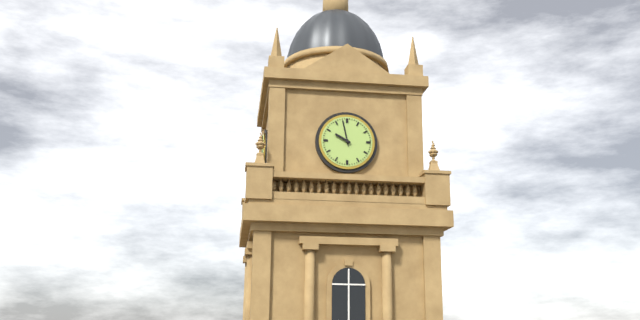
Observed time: 9:58
